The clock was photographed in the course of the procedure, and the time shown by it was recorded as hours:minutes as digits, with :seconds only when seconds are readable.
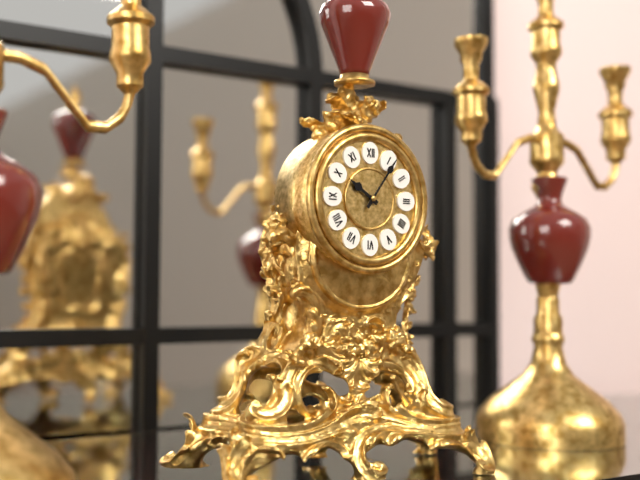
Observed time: 10:06
